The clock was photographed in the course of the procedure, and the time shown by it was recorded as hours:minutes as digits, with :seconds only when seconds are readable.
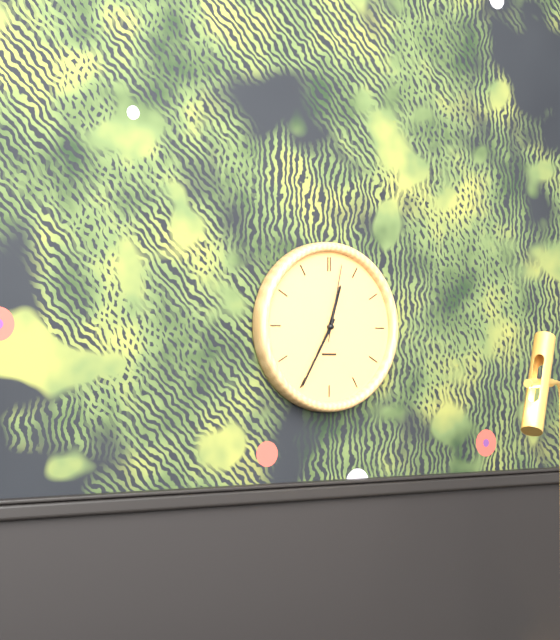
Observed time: 12:35:02
